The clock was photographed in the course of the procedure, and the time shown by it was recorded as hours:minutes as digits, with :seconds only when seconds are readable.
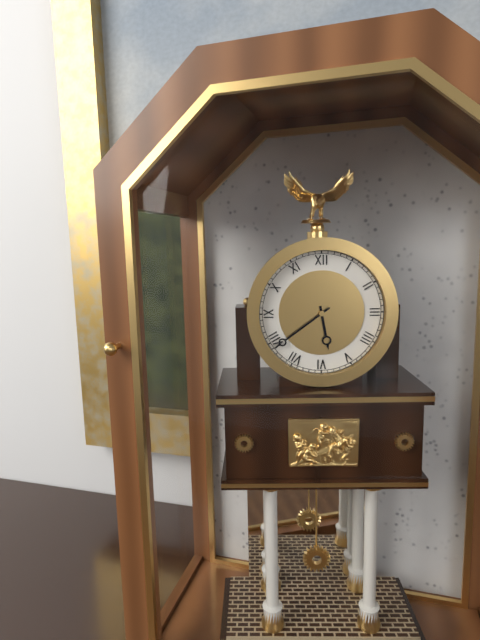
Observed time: 5:39
